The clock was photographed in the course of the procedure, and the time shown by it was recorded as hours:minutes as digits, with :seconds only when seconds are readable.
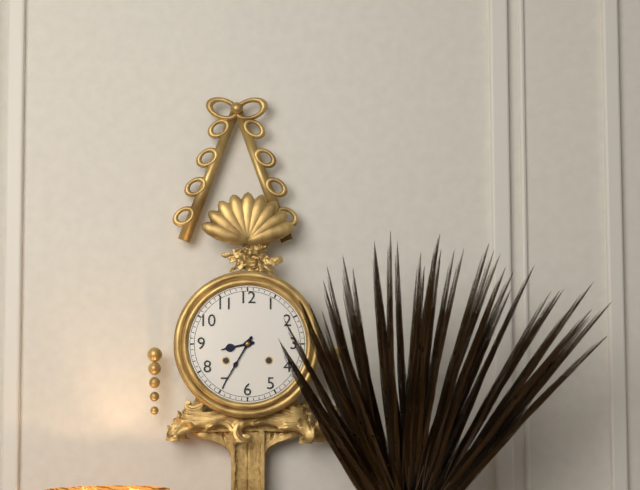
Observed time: 8:35
